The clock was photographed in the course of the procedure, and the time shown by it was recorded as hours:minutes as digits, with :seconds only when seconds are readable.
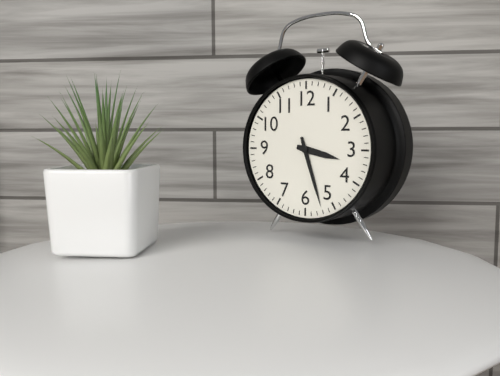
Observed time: 3:27
